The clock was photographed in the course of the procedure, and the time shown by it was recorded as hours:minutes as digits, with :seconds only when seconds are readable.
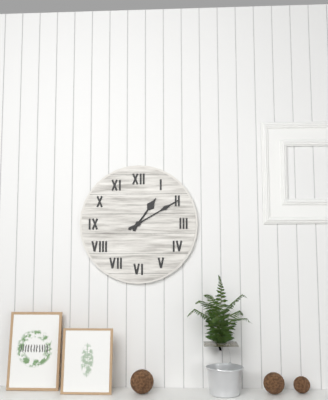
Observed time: 1:10
